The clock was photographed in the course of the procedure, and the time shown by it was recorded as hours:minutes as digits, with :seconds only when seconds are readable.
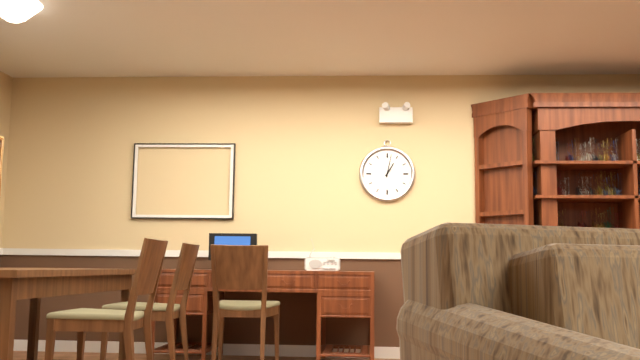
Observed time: 1:02
